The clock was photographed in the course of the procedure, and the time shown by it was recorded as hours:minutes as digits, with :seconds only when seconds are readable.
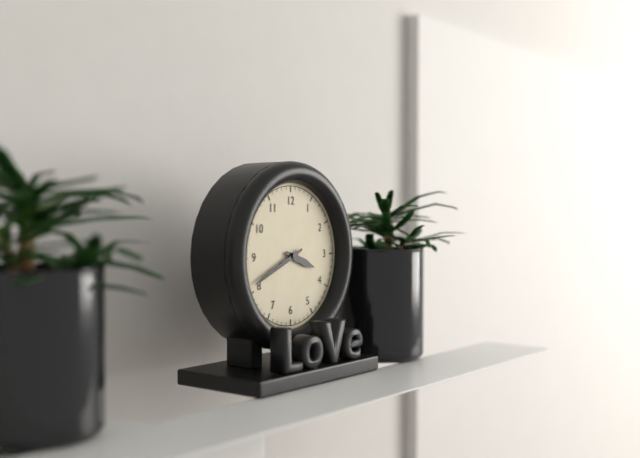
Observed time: 3:41
